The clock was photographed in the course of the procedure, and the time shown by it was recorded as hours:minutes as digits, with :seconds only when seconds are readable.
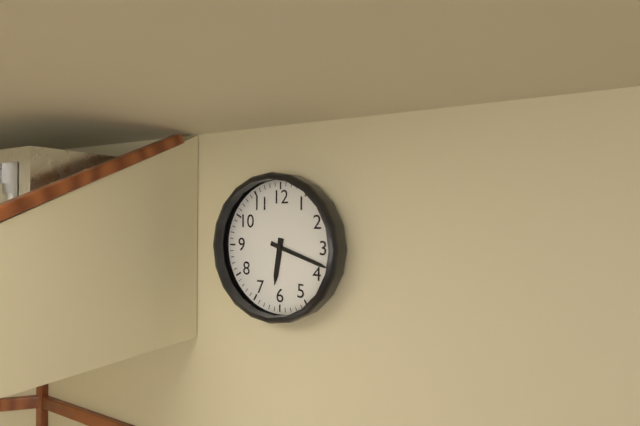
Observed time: 6:18
